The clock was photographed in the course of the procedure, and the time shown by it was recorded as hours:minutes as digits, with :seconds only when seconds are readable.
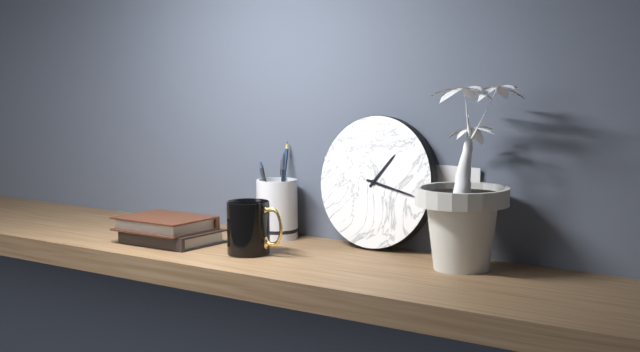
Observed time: 1:17
